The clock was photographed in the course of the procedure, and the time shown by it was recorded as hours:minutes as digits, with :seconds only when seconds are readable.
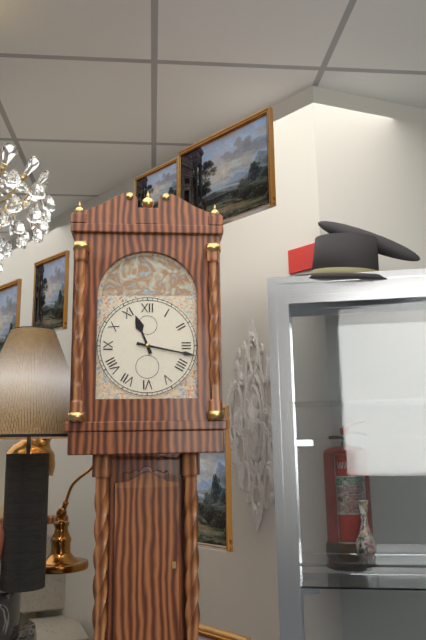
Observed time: 11:17
